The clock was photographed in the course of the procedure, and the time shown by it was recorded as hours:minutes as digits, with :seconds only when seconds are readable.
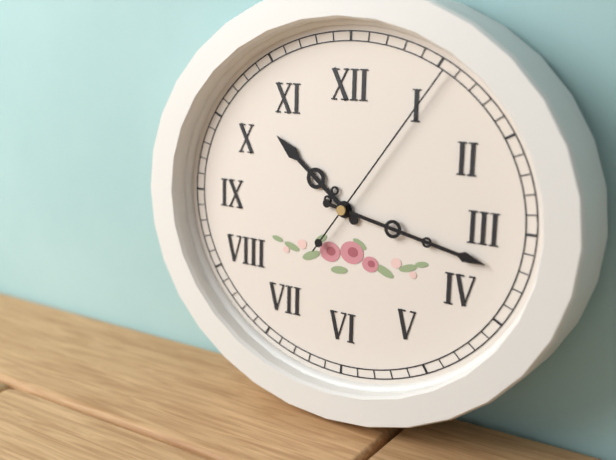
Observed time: 10:17:06
